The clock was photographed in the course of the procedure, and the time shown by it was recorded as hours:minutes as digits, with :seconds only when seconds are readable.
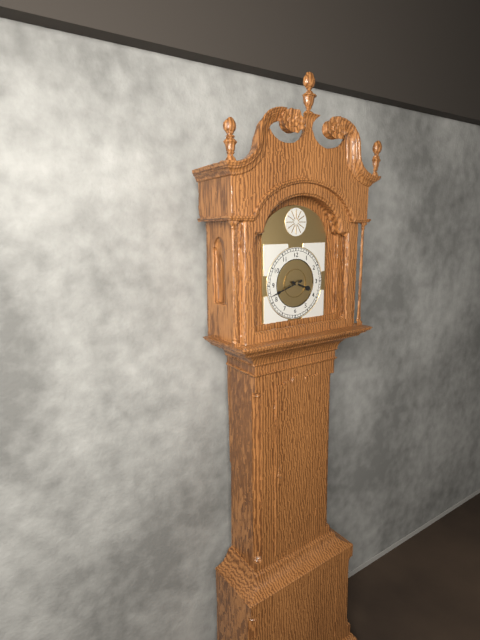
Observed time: 3:42
